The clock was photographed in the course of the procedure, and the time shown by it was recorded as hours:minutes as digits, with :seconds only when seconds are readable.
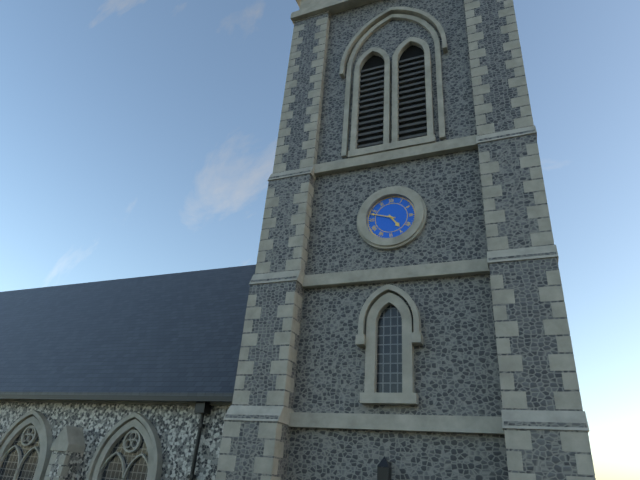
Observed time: 4:48
